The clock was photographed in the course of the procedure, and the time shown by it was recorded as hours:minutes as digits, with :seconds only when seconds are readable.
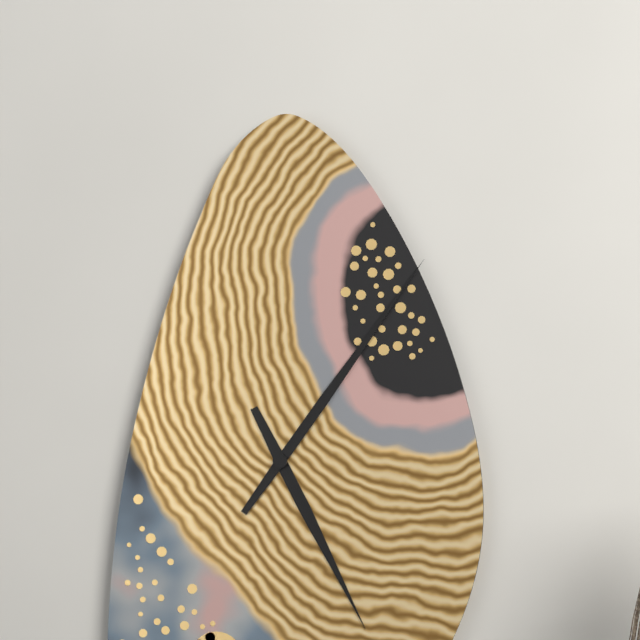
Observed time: 5:06
